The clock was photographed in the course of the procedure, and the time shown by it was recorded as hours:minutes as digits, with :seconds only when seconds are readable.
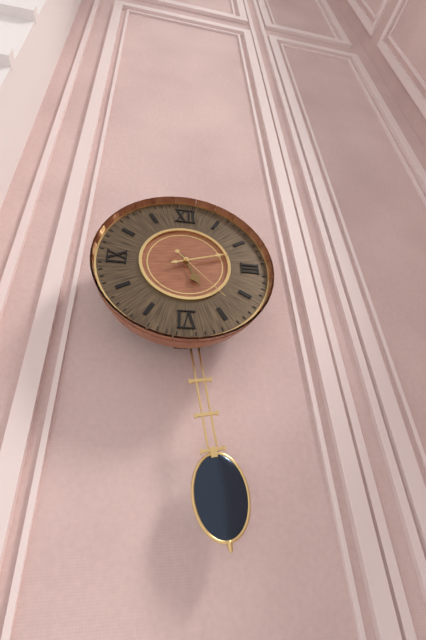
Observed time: 5:12:23
